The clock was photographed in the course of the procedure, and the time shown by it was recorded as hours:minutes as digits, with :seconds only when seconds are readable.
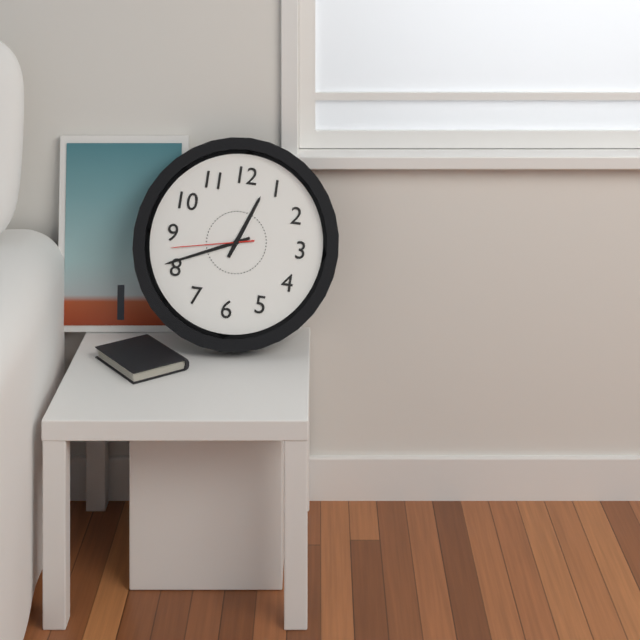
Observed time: 12:41:43
